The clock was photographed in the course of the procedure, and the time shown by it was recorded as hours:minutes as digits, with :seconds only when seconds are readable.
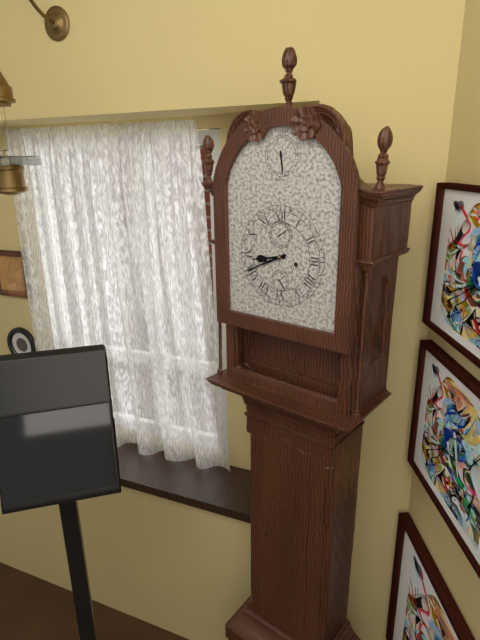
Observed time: 8:41
